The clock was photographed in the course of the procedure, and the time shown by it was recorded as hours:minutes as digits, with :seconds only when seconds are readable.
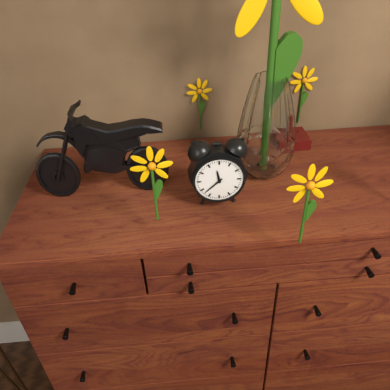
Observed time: 11:38
